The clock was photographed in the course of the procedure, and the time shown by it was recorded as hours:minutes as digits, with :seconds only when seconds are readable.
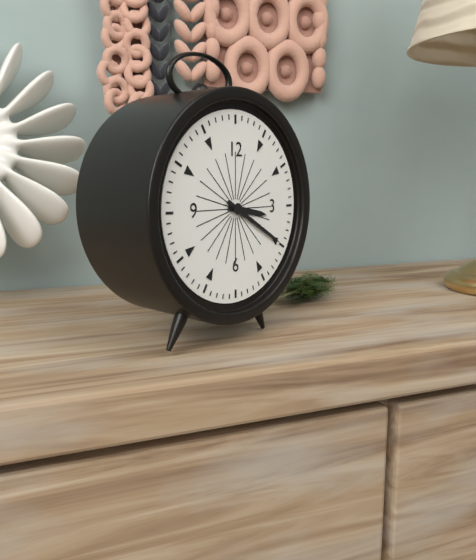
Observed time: 3:20
